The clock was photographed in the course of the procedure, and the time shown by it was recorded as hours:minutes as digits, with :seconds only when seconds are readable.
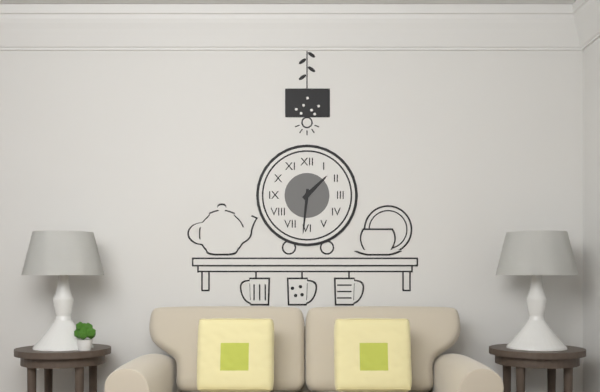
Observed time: 1:31
